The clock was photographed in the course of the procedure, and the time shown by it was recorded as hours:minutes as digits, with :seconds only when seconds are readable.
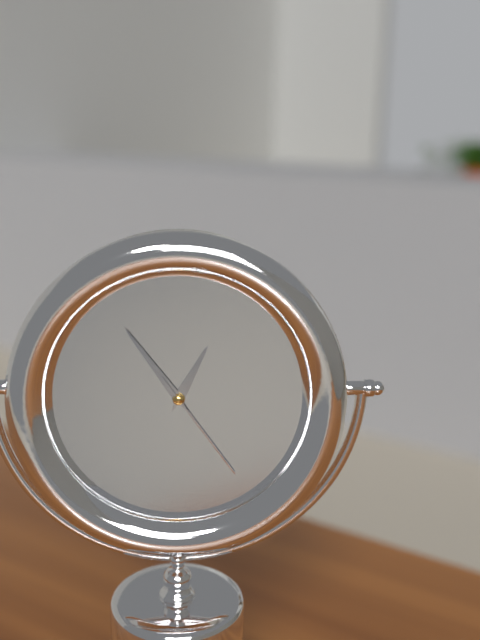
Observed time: 12:54:24
